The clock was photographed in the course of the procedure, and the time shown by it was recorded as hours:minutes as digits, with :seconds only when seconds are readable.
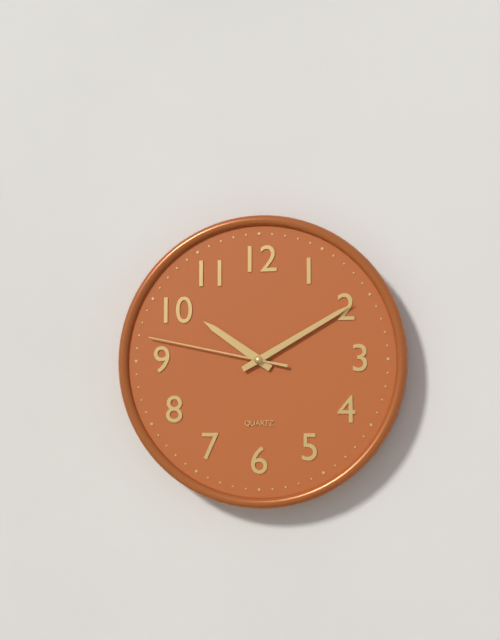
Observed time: 10:10:47
